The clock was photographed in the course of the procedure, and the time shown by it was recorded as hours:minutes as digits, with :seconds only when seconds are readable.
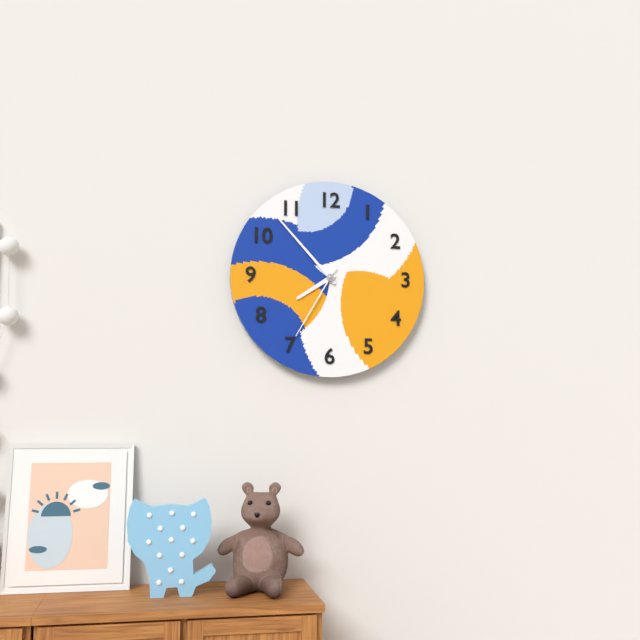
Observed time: 7:53:35
